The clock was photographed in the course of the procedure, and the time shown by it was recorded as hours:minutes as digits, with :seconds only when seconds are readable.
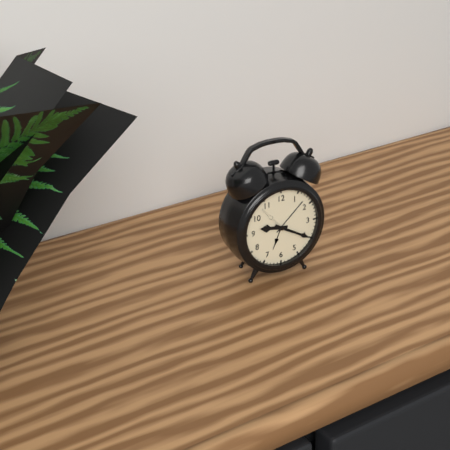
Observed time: 9:20
